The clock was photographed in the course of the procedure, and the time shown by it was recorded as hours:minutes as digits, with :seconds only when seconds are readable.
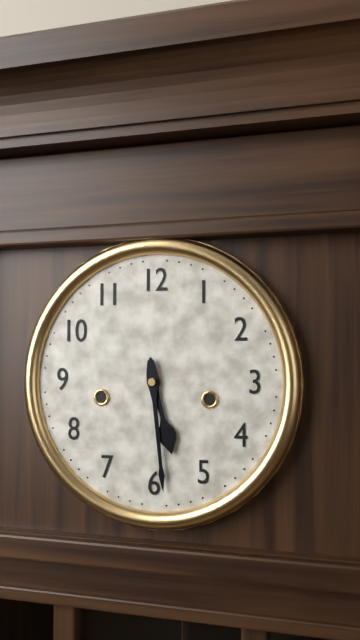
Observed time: 5:29
